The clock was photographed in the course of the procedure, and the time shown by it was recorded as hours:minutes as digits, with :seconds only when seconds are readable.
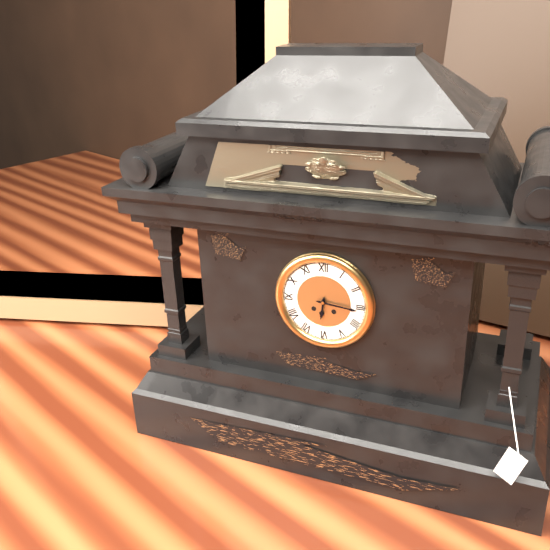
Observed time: 6:16
